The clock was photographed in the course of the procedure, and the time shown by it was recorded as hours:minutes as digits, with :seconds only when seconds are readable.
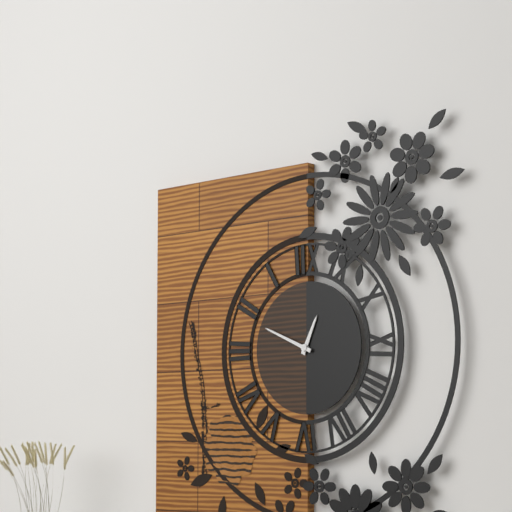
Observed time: 12:49
